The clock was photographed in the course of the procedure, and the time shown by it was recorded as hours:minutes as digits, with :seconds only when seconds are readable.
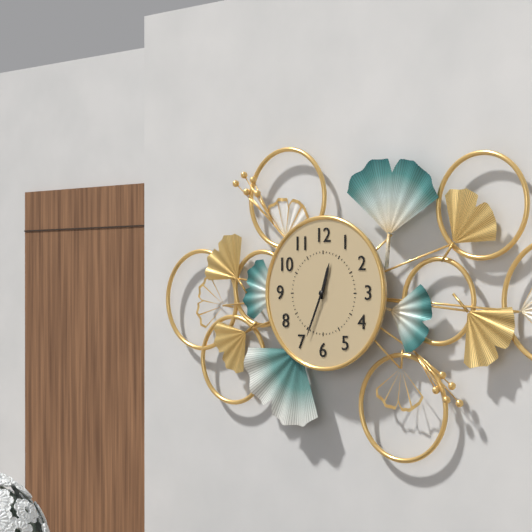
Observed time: 12:34
